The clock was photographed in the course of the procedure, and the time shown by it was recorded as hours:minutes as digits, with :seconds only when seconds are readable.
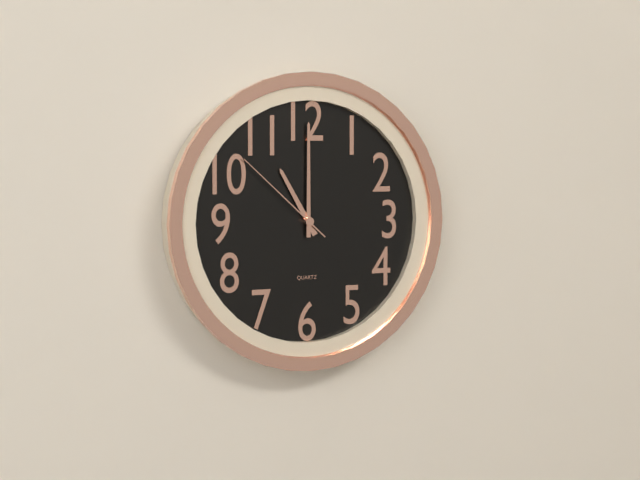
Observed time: 11:00:52
